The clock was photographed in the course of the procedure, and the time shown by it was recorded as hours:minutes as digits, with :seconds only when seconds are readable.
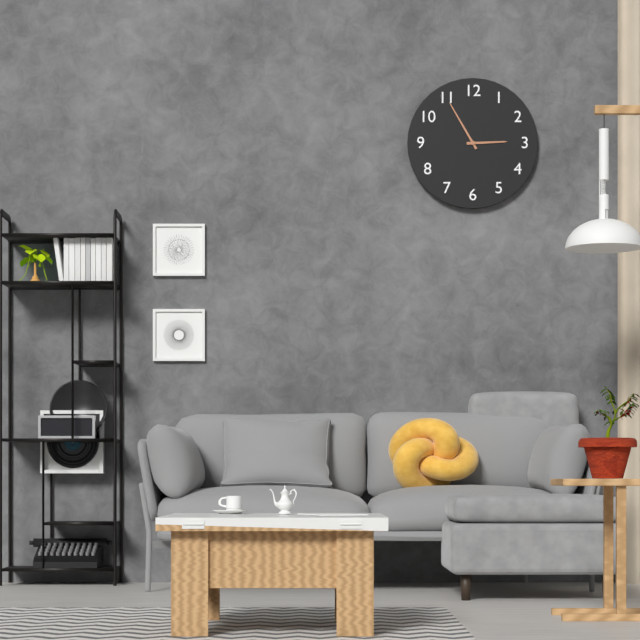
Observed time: 2:55
